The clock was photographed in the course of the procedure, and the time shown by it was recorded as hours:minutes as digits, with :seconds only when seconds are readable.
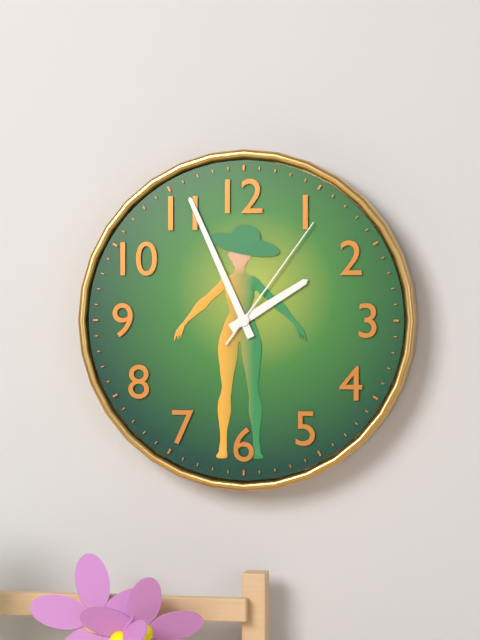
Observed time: 1:56:06
